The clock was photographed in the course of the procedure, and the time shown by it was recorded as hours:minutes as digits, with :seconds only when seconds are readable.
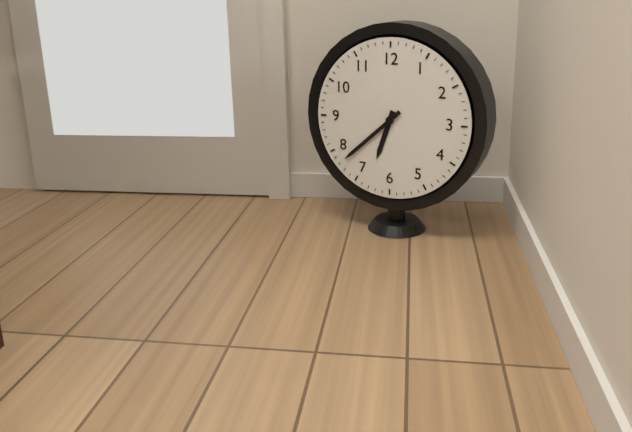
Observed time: 6:38
